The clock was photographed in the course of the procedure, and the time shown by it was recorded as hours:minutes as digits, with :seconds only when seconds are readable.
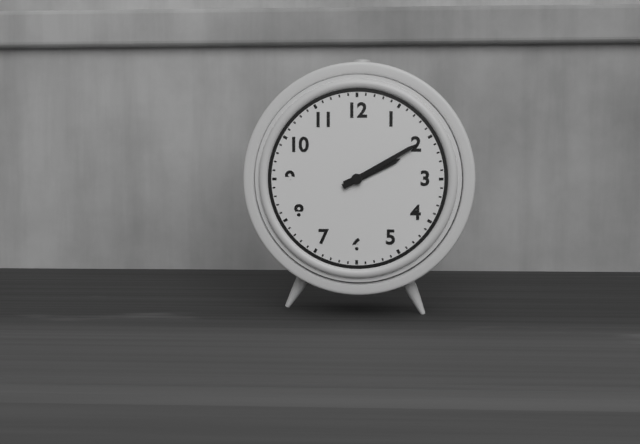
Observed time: 2:10
